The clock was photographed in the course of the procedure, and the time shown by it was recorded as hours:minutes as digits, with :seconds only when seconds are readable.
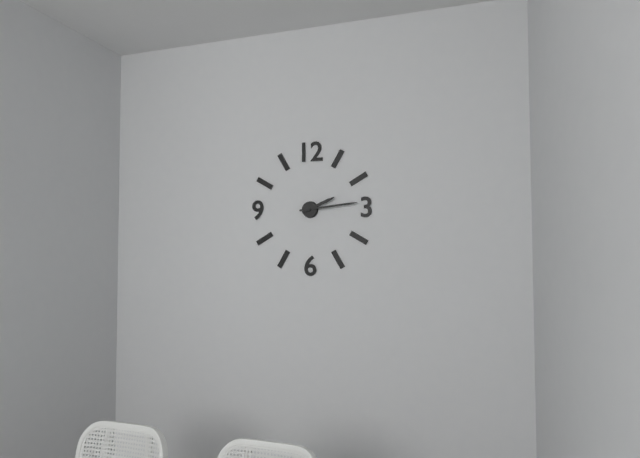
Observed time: 2:14
